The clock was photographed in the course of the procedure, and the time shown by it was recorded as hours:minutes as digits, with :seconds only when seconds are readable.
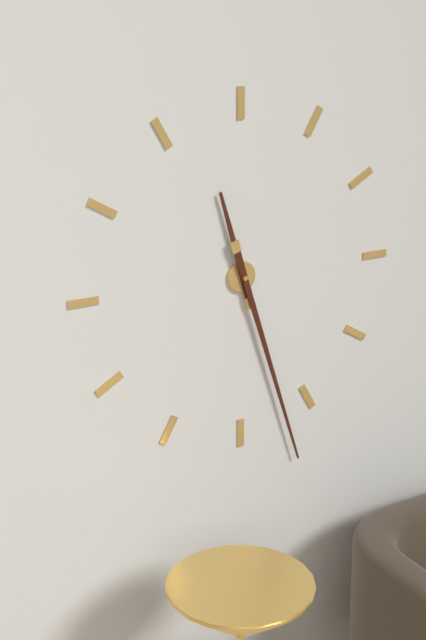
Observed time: 11:27
